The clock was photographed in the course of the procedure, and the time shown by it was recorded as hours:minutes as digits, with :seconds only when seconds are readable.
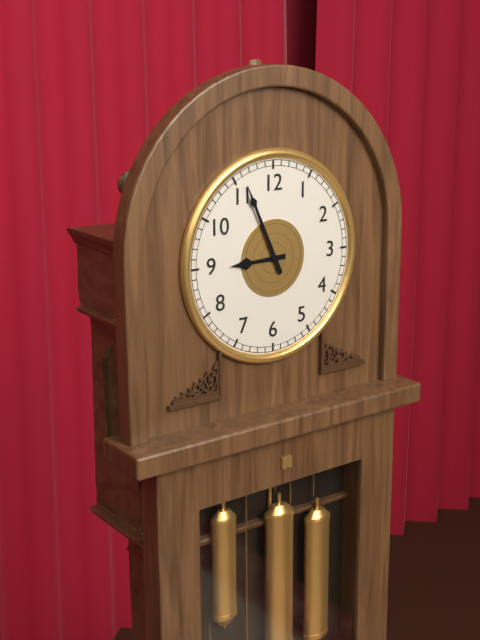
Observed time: 8:56
